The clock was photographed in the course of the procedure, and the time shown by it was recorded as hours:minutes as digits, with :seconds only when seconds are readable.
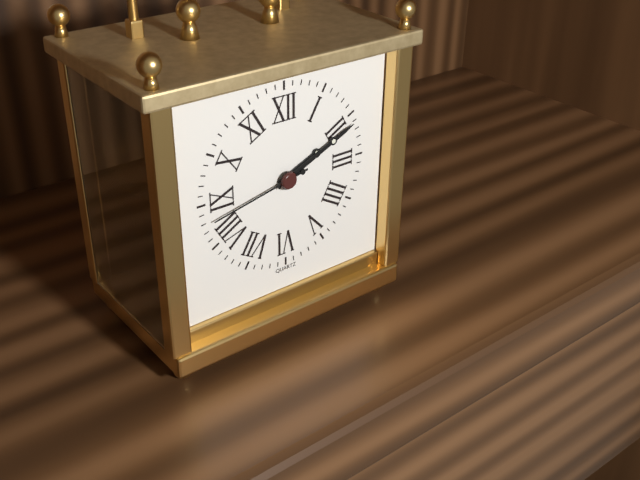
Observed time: 2:11:43
